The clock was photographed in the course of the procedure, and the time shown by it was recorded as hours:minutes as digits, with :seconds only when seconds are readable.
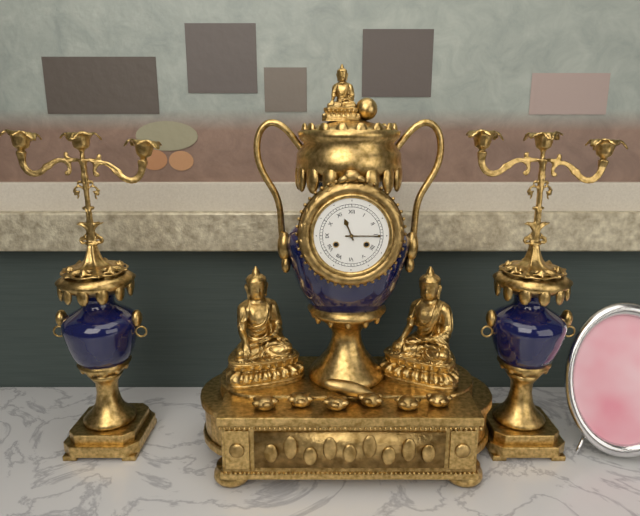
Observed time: 11:15
